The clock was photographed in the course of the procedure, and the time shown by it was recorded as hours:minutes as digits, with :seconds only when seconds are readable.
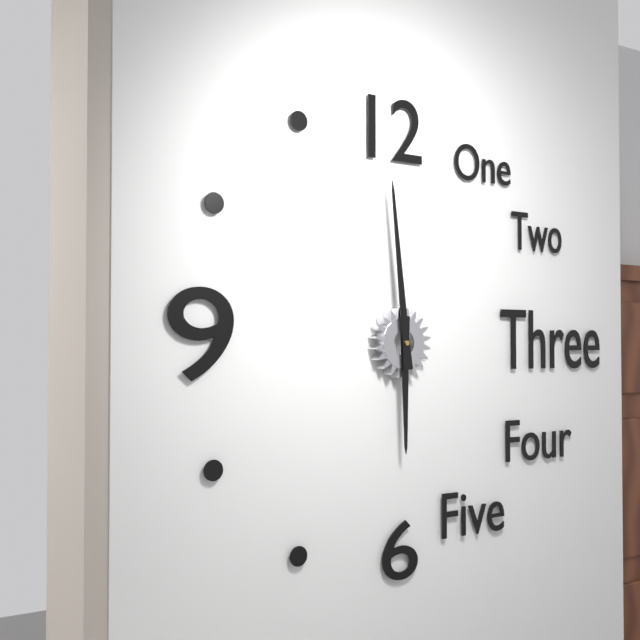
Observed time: 5:59
